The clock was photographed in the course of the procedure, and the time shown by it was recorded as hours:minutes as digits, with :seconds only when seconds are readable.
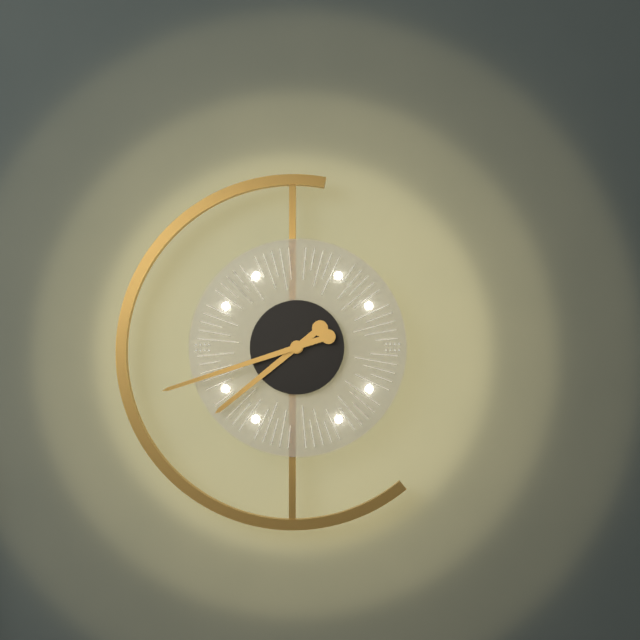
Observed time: 7:42
